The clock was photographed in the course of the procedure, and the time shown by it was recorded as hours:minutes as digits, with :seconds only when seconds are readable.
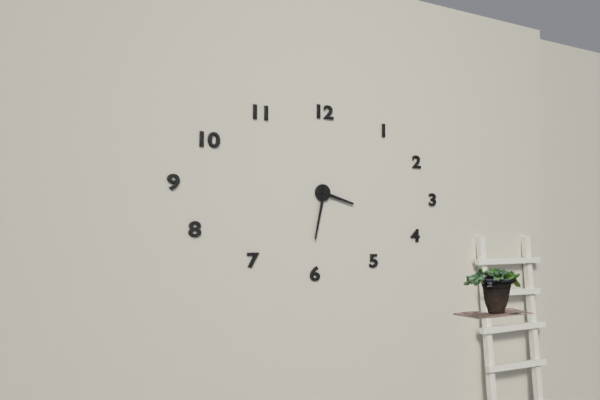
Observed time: 3:32
